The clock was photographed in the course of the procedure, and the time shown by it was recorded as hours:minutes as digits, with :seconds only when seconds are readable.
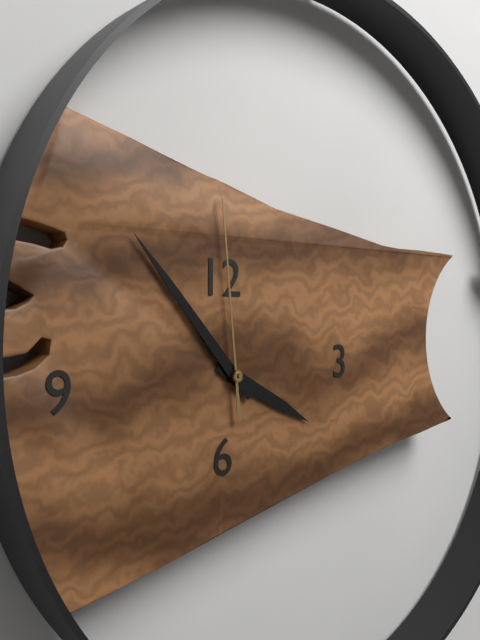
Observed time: 3:53:59
